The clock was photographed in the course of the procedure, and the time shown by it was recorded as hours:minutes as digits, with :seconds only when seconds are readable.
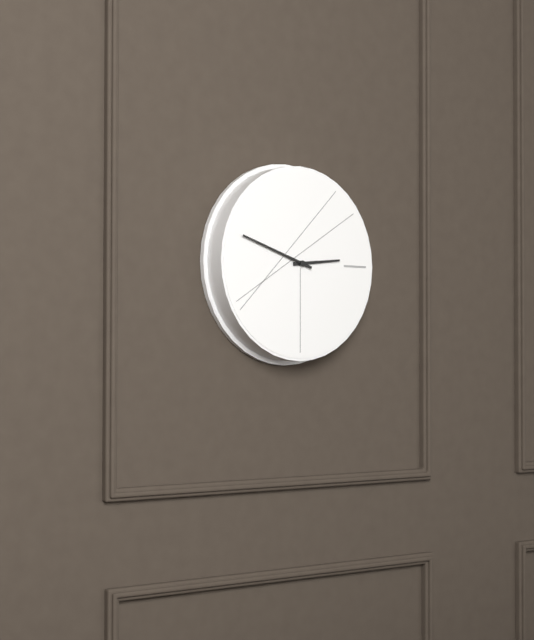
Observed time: 2:48
